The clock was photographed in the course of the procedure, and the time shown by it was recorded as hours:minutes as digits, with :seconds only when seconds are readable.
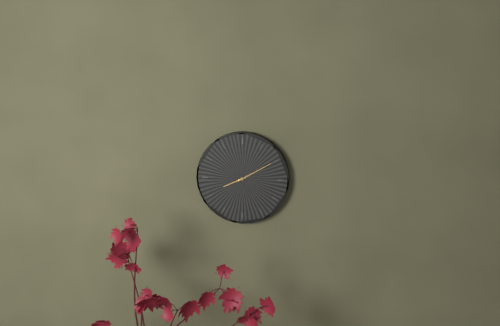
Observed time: 8:10
